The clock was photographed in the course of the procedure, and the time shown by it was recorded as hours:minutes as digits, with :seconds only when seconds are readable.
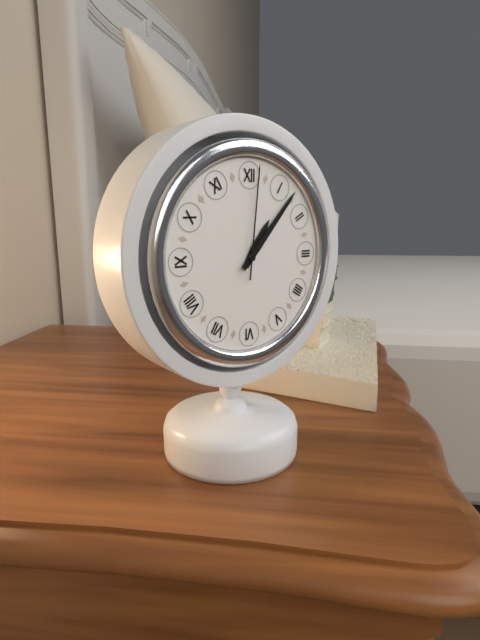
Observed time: 1:07:01
